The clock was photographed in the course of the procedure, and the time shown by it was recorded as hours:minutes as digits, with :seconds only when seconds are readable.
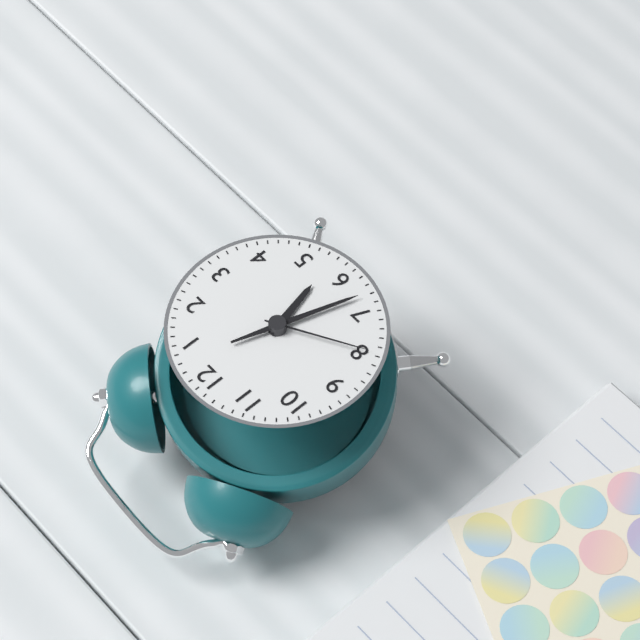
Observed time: 5:33:40
